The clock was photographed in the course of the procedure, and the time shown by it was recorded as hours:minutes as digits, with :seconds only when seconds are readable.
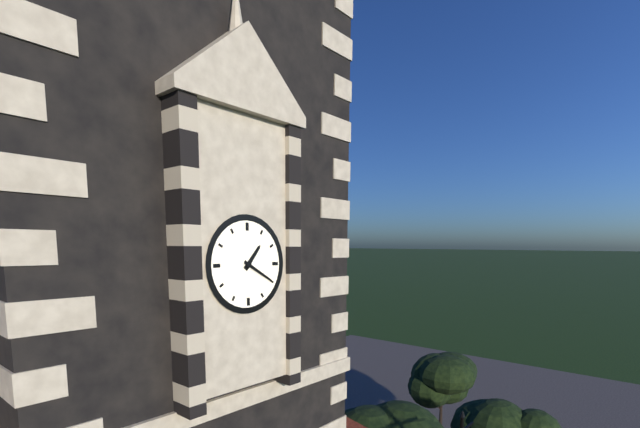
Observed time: 1:20
